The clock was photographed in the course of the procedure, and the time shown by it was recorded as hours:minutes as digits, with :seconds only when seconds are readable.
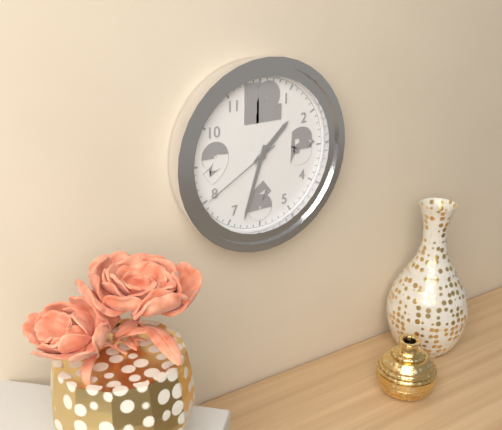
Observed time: 1:33:40
